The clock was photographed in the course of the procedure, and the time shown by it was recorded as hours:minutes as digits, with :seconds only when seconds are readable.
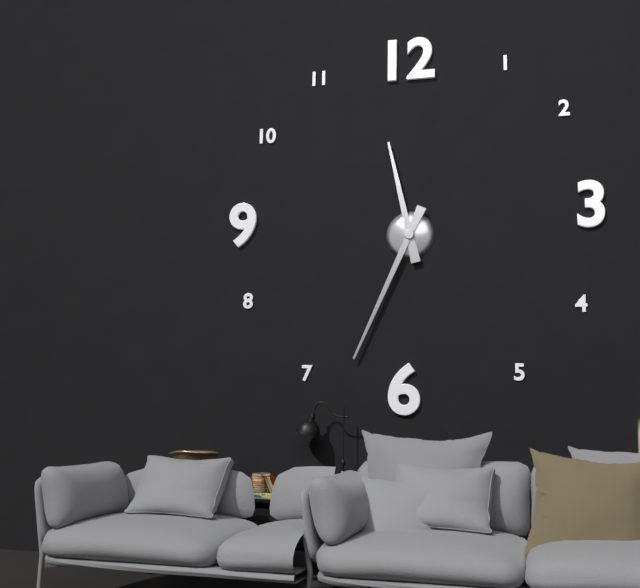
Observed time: 11:34
